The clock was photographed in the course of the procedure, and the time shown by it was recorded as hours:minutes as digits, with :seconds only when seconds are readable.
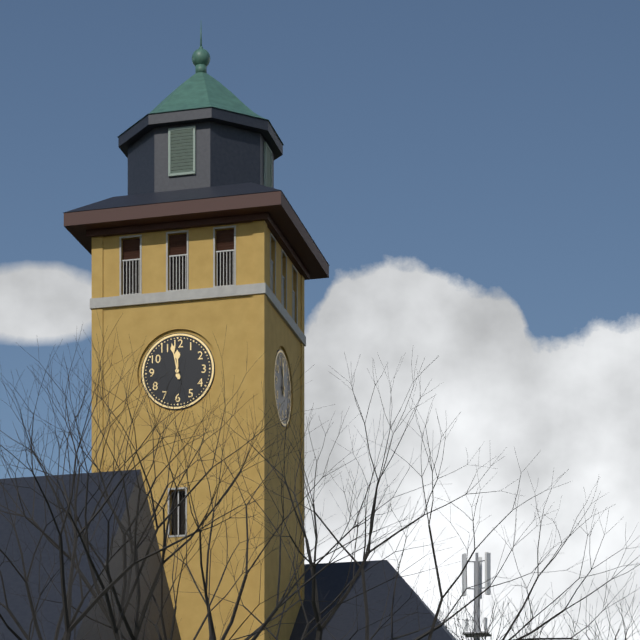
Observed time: 11:58
